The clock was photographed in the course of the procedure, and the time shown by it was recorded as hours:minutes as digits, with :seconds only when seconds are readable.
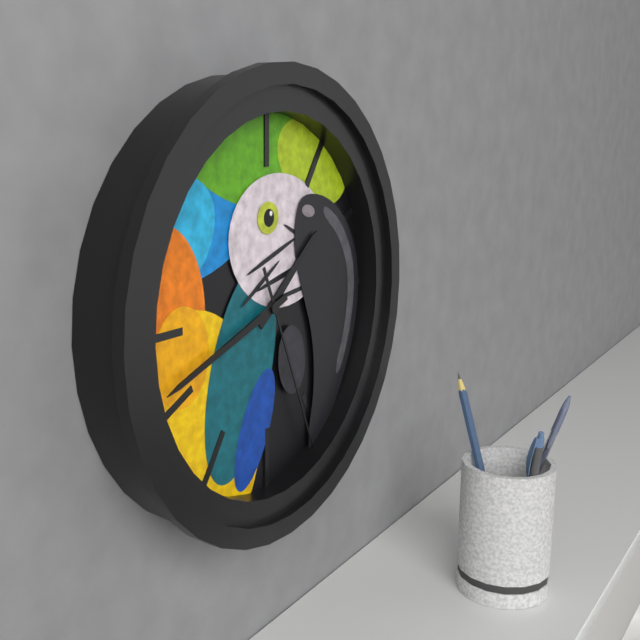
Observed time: 1:42:26
